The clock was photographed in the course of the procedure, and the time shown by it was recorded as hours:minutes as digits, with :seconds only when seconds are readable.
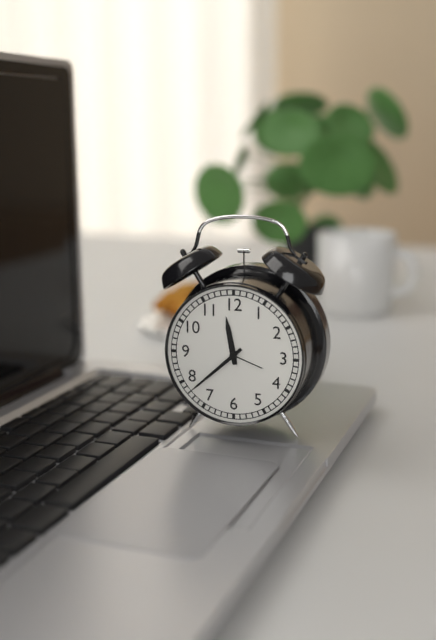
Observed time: 11:38
